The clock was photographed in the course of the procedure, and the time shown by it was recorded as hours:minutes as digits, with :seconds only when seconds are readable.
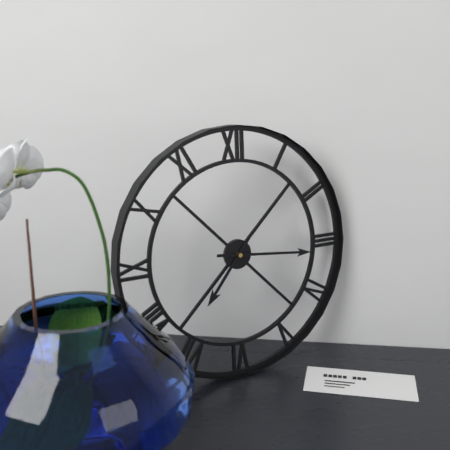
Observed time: 7:16
